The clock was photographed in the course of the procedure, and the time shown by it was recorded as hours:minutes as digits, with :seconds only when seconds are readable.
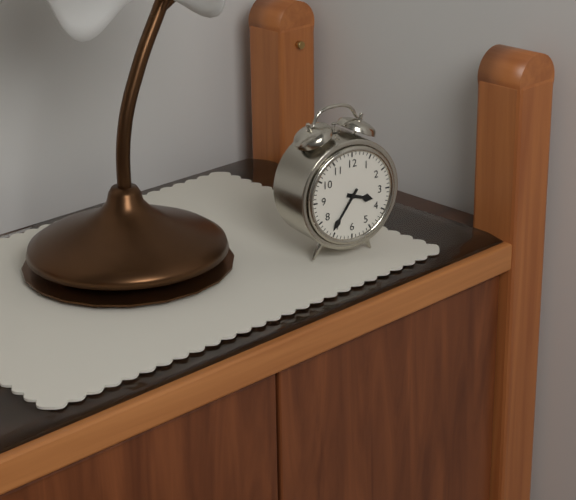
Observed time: 3:36
